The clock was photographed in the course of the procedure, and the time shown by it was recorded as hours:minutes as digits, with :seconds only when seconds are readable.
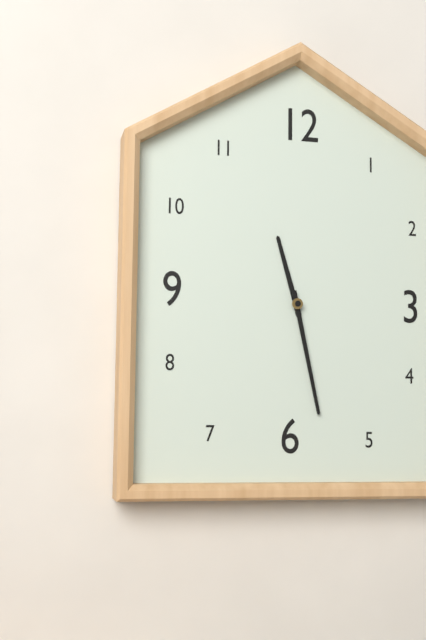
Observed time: 11:28
